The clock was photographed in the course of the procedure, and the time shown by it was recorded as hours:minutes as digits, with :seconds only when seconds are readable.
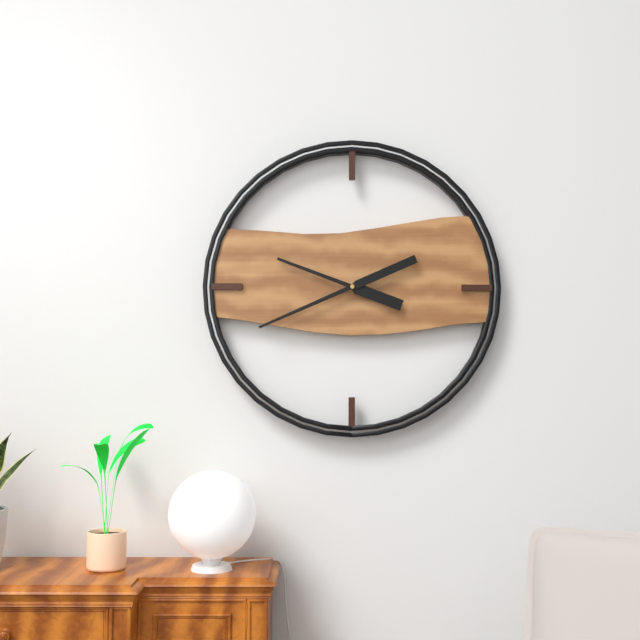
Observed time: 9:41
